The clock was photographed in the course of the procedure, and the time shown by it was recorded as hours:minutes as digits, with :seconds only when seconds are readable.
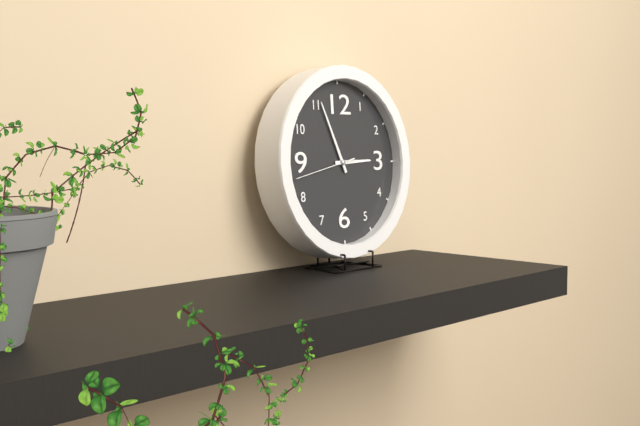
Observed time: 2:56:43
